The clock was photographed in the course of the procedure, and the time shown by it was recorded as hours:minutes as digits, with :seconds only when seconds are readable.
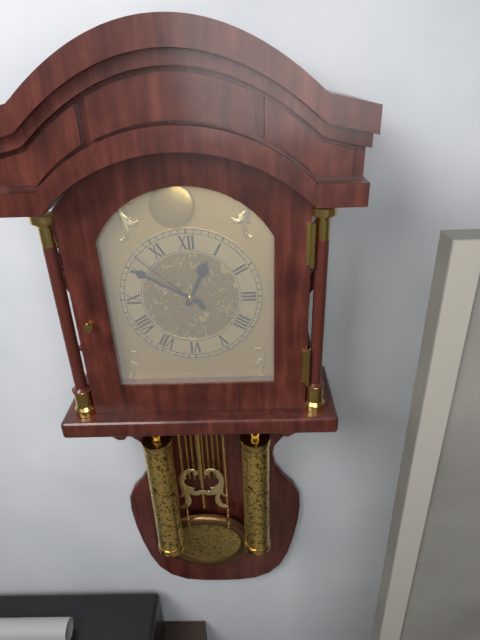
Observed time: 12:50:52
